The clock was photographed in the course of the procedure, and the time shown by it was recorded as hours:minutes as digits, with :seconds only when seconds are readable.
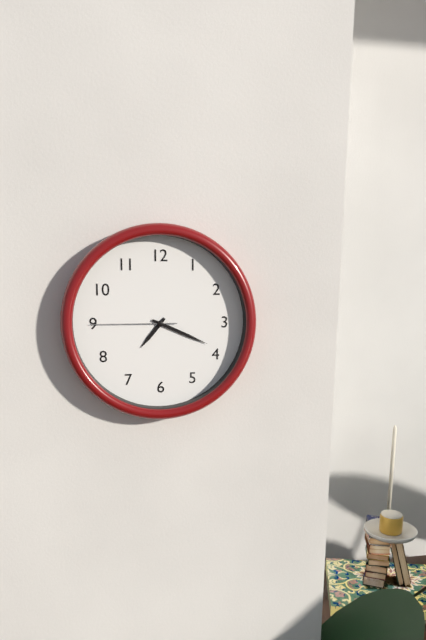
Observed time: 7:19:45
